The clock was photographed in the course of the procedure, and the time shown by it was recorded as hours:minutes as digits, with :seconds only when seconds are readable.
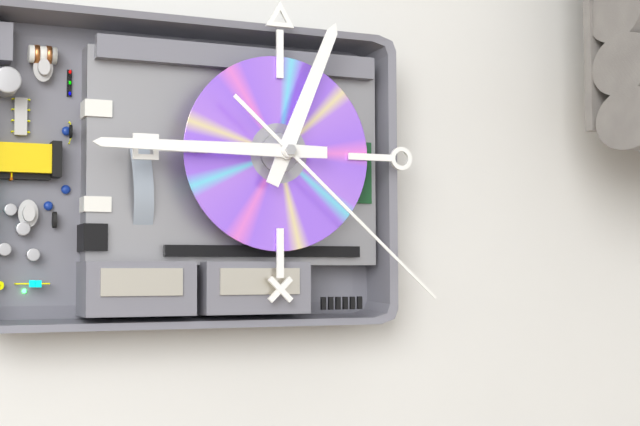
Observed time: 12:45:22
